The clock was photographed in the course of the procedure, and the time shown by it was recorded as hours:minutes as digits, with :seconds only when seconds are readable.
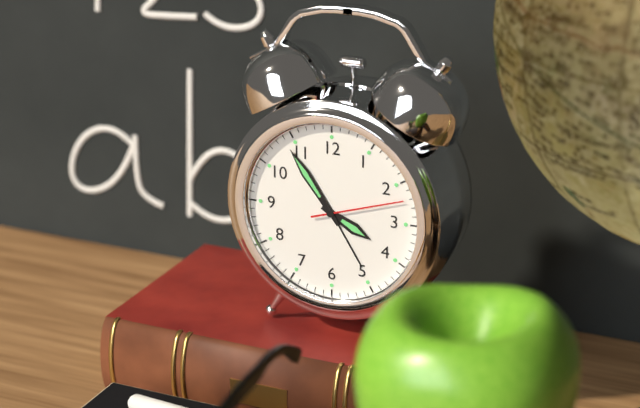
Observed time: 3:54:12
